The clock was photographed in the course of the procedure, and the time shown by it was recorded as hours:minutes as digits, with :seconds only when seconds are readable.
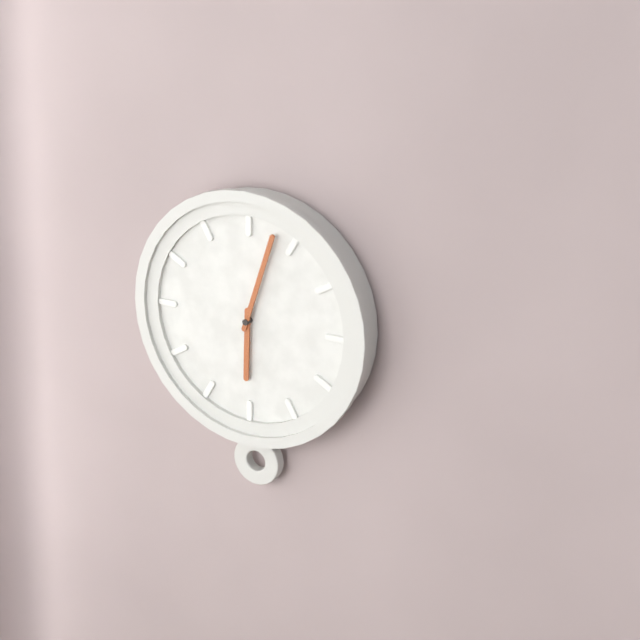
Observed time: 6:03
